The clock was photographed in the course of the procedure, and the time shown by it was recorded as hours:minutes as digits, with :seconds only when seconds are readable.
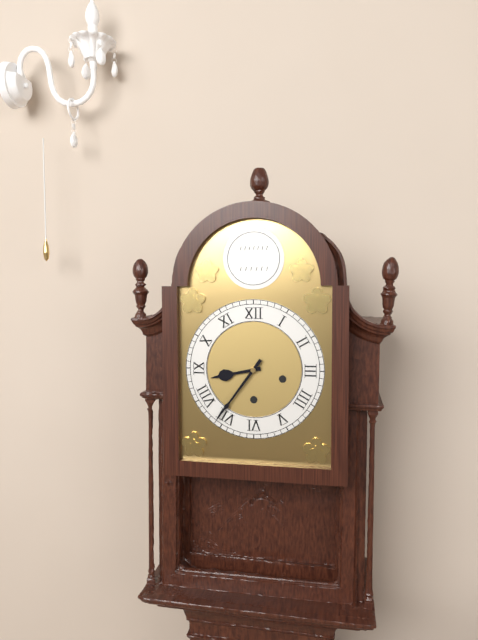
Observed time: 8:36
